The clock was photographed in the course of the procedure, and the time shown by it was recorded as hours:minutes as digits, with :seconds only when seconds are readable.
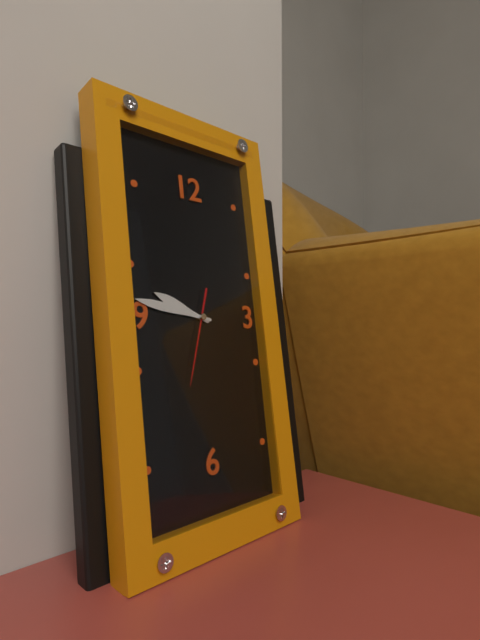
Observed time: 9:47:33
